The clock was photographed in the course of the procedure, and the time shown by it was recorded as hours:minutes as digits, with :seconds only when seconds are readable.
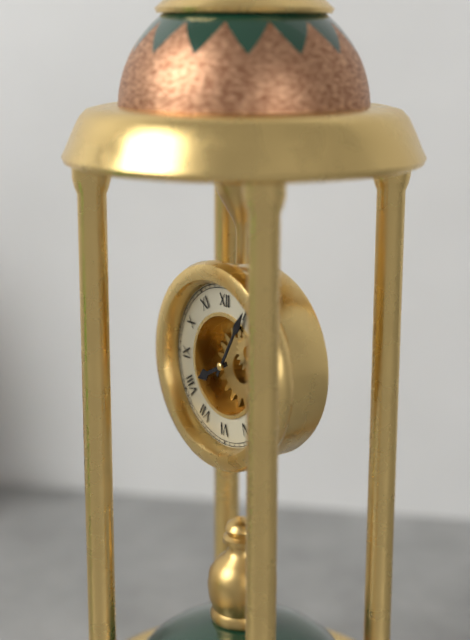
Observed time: 8:05
